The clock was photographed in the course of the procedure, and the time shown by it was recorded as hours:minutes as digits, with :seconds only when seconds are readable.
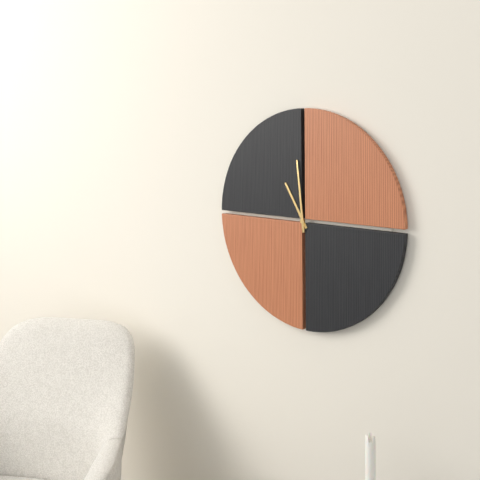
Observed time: 10:59
